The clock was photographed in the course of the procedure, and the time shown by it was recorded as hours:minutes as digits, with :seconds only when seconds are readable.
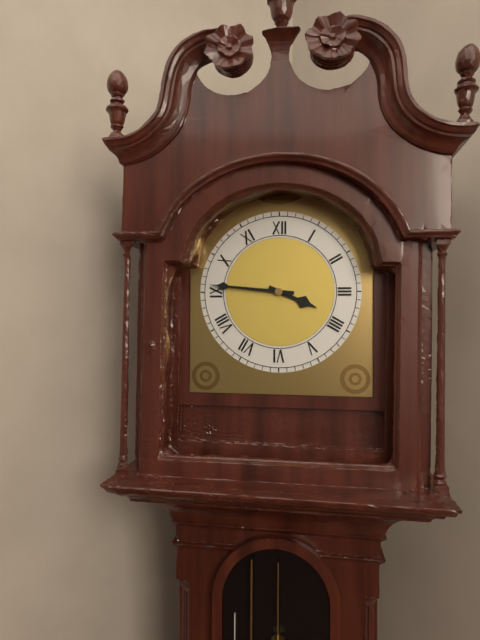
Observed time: 3:46
